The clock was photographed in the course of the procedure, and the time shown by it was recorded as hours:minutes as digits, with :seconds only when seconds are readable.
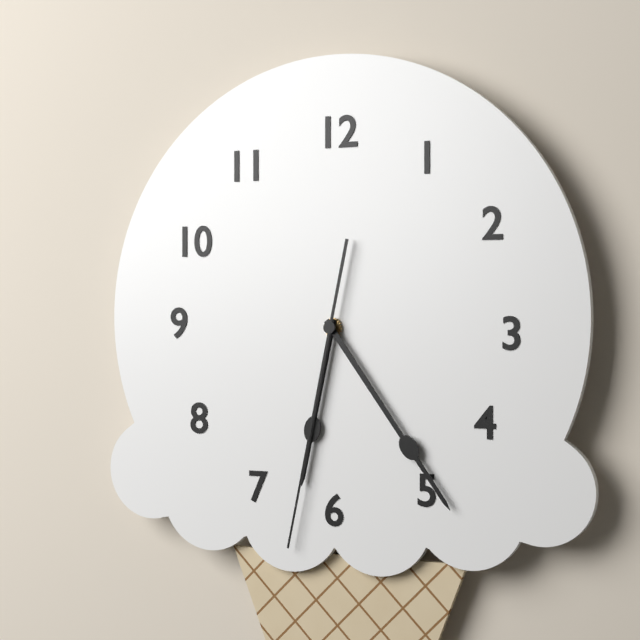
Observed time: 6:24:32
